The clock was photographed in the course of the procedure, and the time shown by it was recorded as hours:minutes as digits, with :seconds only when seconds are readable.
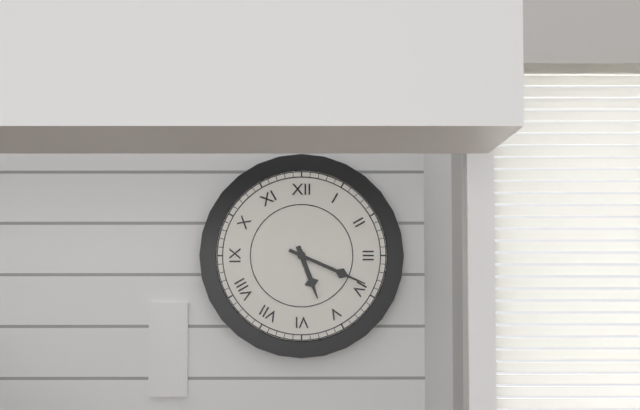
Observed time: 5:19
